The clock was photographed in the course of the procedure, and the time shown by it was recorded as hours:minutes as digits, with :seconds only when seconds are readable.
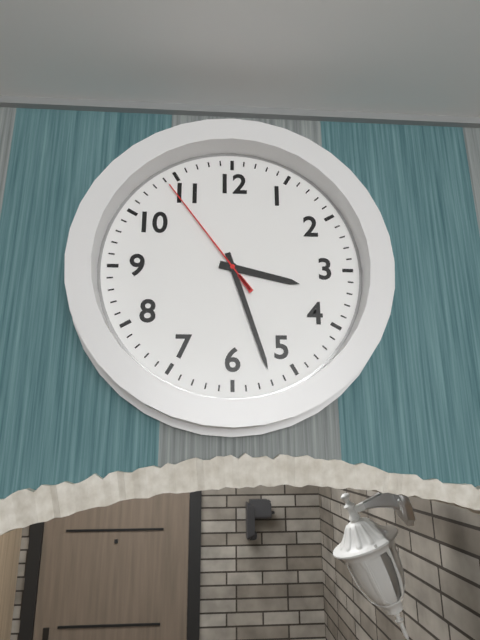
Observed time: 3:27:54
